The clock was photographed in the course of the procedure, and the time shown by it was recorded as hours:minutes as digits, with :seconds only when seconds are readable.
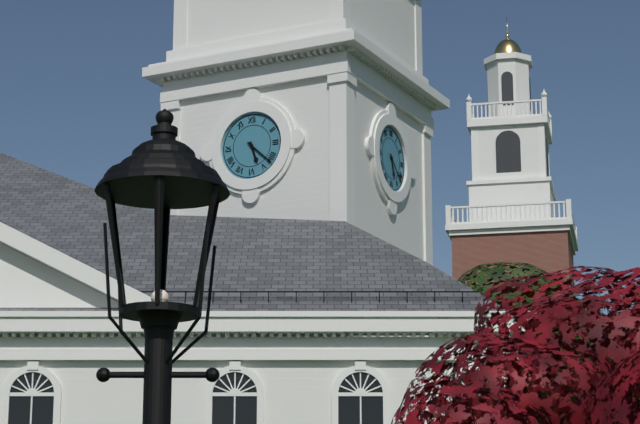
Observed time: 5:22
